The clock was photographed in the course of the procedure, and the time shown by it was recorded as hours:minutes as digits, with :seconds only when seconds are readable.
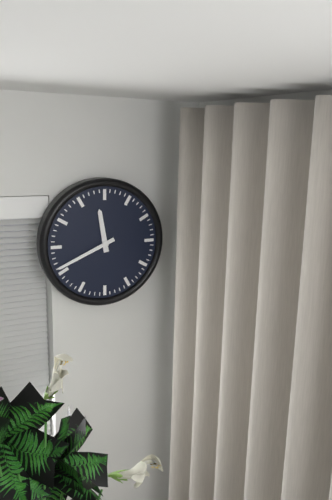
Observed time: 11:41
